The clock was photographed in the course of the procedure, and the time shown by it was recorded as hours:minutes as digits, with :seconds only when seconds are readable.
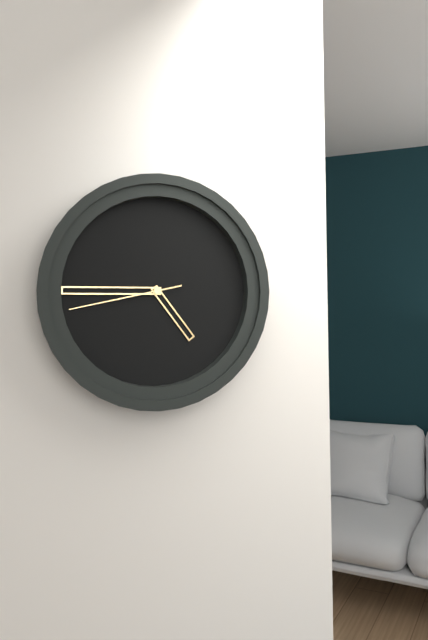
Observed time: 4:45:43
